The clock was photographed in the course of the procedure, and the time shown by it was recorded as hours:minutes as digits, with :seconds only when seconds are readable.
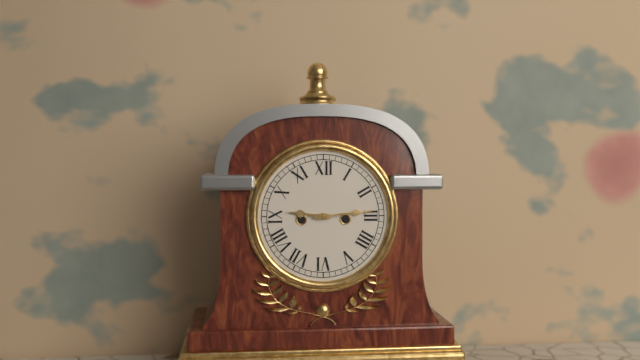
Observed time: 9:14
